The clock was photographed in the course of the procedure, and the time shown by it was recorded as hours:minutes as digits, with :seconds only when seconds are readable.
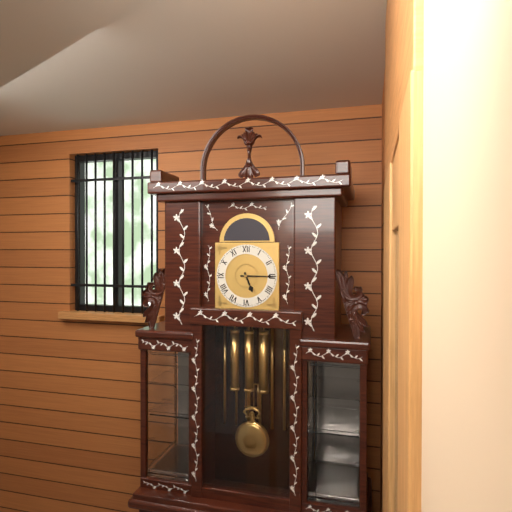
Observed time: 5:15
